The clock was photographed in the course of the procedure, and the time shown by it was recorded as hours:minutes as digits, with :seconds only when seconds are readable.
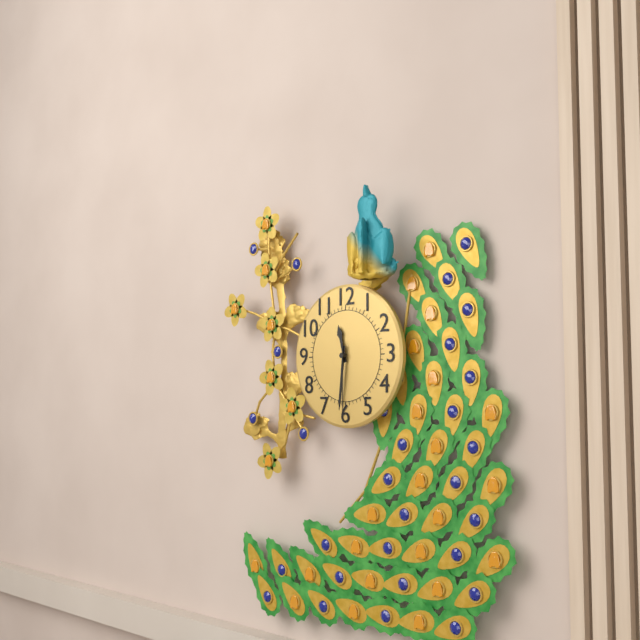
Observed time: 11:31:30
